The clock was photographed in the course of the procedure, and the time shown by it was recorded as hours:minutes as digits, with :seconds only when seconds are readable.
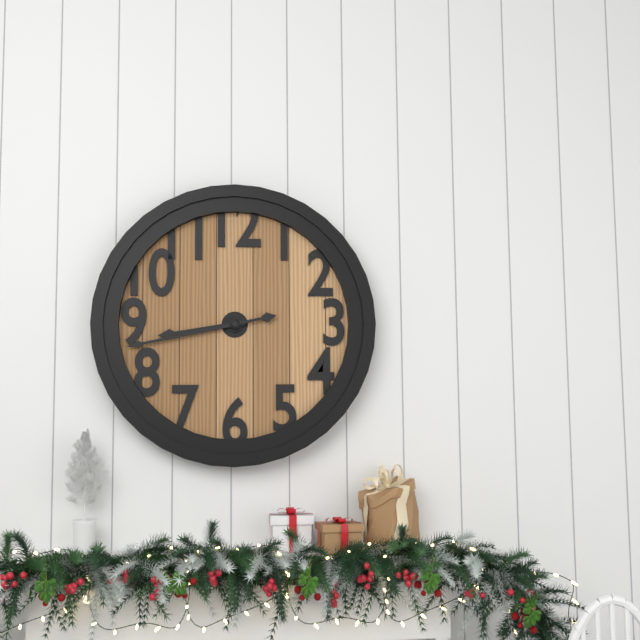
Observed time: 8:43
